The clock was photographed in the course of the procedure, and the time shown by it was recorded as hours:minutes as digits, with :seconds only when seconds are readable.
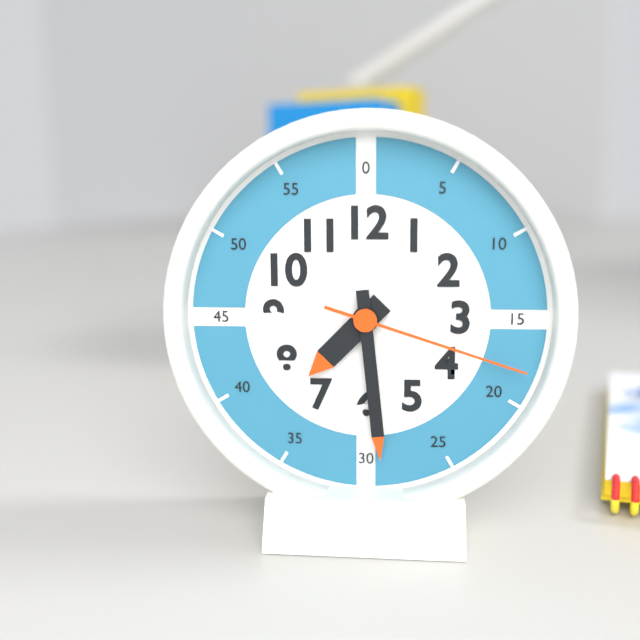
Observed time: 7:29:18
